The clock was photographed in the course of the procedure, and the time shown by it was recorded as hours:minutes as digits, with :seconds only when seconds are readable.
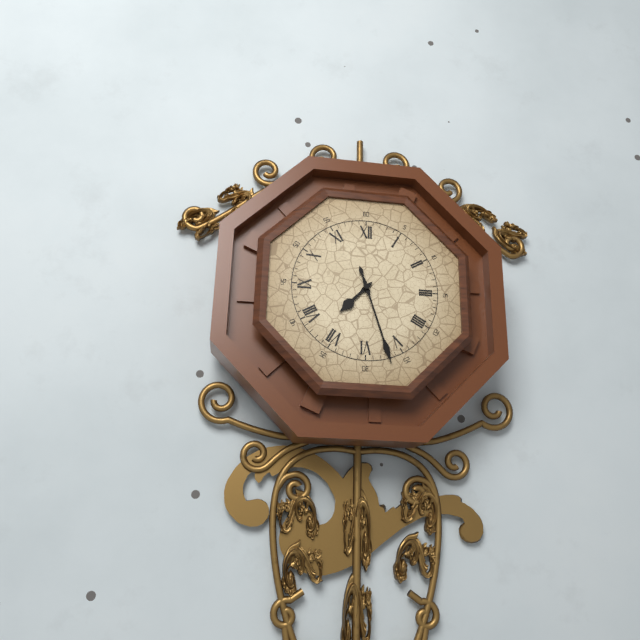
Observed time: 7:27
